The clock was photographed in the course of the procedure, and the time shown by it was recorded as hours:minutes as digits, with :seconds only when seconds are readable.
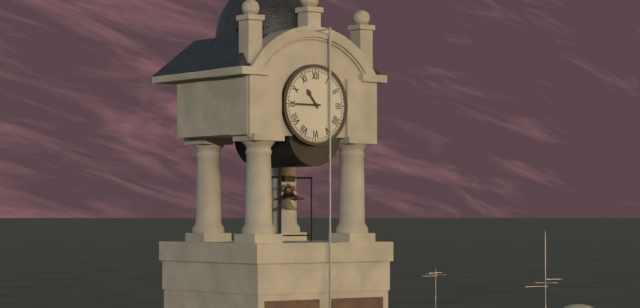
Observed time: 10:45
